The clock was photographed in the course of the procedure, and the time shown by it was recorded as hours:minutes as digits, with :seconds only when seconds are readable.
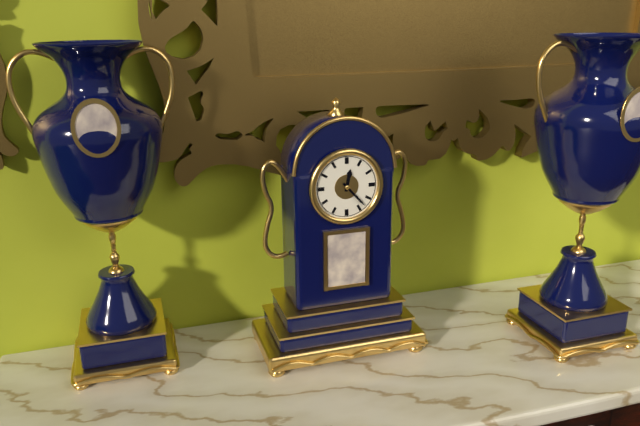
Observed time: 12:23
